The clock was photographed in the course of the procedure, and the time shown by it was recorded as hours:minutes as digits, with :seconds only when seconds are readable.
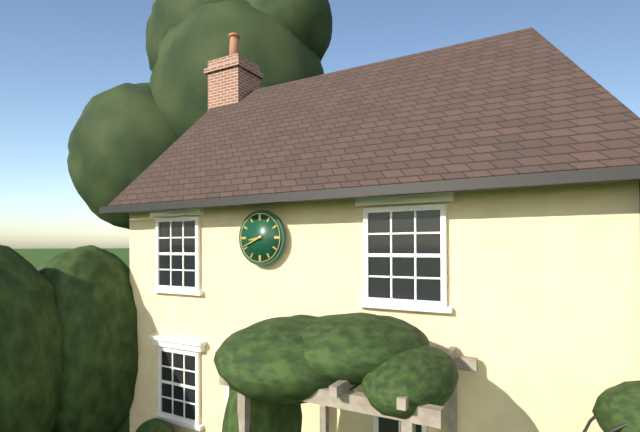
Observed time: 8:41
